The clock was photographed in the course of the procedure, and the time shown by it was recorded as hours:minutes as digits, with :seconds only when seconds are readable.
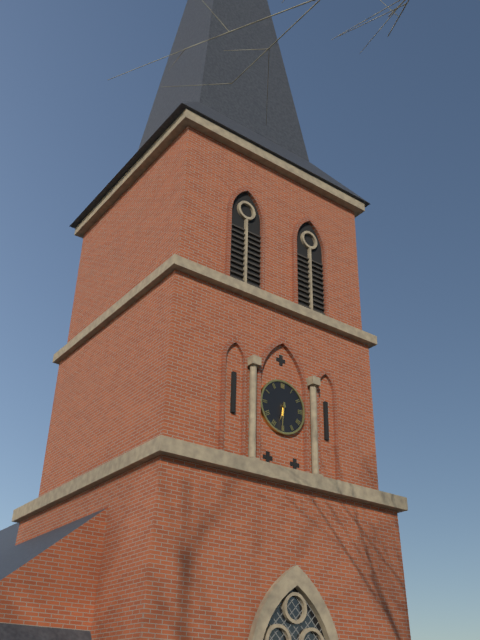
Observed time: 6:31
